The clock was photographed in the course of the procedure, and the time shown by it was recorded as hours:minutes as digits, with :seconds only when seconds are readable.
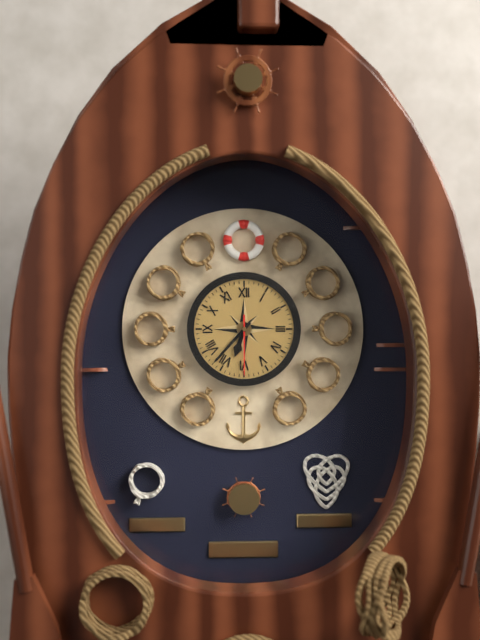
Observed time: 6:37:30
